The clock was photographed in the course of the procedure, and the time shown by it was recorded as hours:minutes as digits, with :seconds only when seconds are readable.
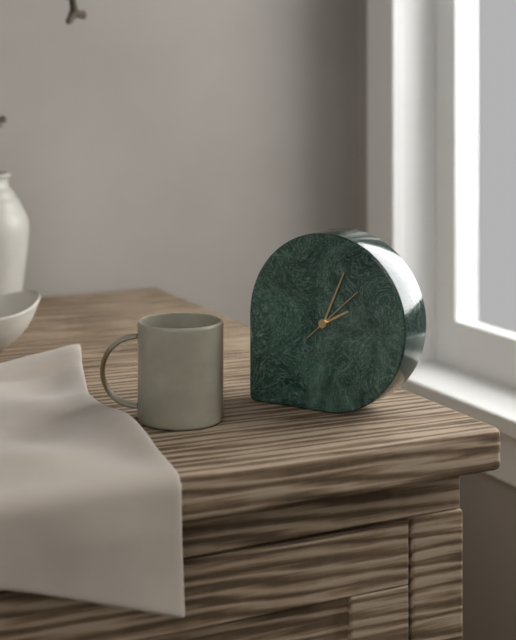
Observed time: 2:04:08
